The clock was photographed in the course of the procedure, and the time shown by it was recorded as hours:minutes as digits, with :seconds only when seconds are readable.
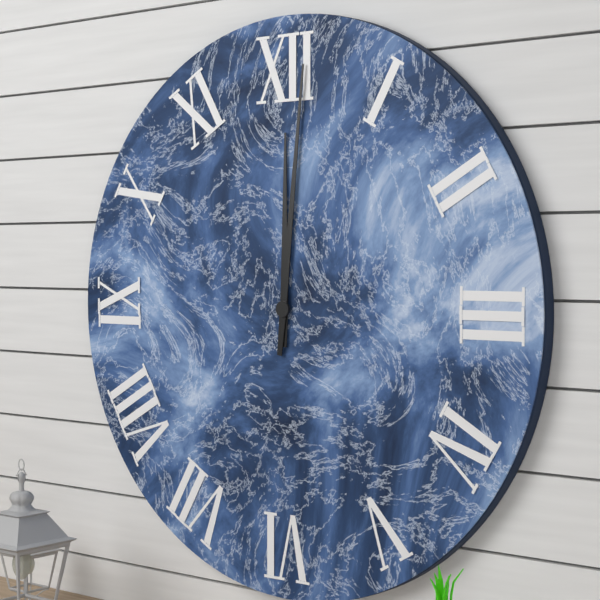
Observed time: 12:01
